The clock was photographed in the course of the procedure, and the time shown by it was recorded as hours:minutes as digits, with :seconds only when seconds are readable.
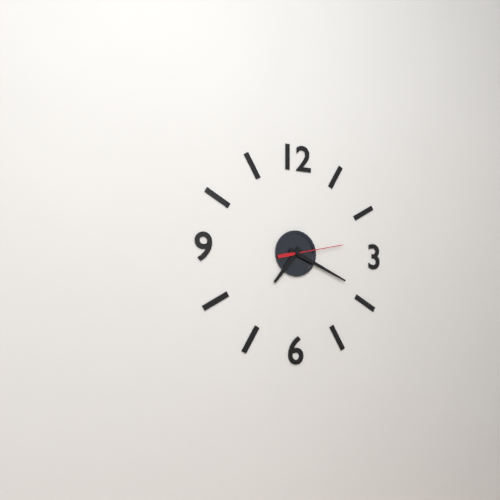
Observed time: 7:19:13
